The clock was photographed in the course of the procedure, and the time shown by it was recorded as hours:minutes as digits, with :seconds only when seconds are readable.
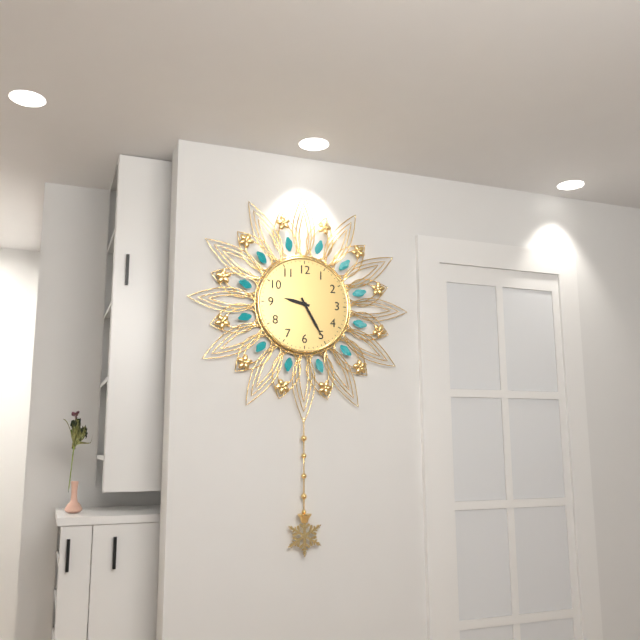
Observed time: 9:25
